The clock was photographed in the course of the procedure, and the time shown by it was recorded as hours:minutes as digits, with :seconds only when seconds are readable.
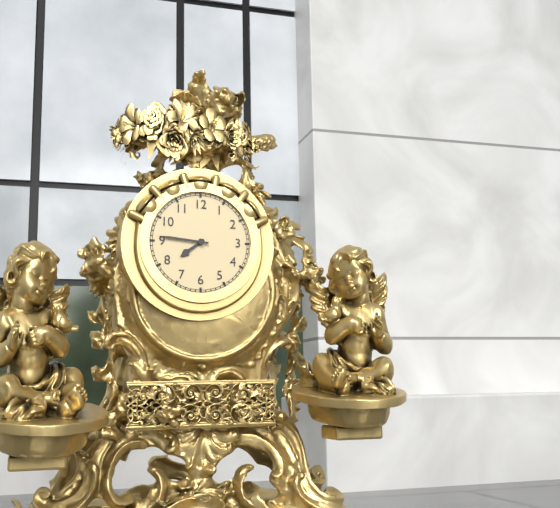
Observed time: 7:46
